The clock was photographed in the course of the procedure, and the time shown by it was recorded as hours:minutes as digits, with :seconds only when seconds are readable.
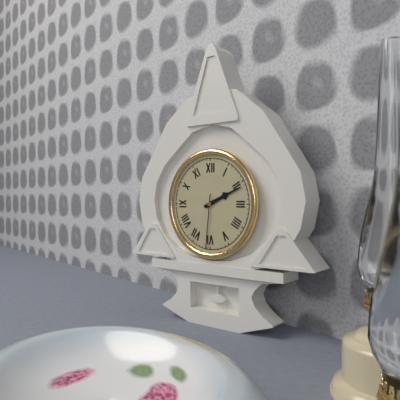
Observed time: 2:11:31
